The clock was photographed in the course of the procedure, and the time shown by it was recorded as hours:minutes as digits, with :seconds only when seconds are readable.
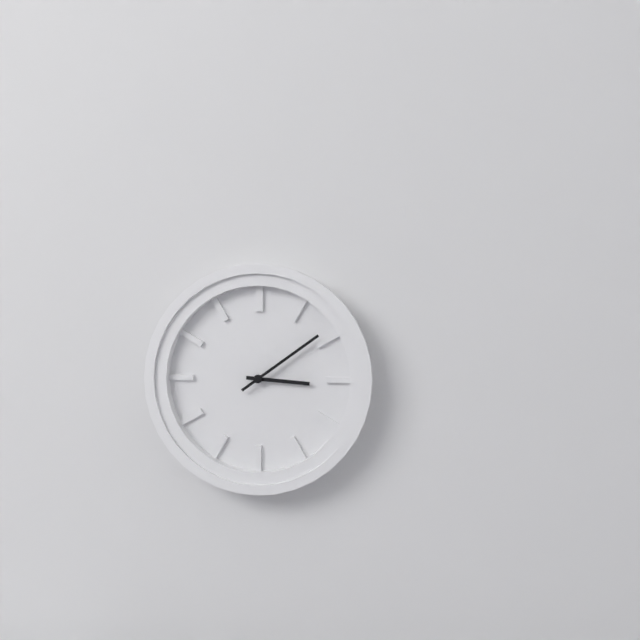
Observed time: 3:09
